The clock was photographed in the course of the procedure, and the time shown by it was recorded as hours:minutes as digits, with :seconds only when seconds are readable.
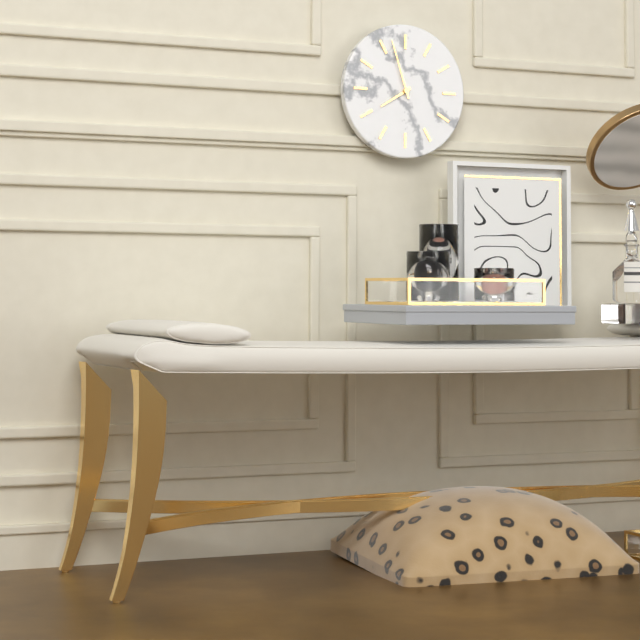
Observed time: 7:57
